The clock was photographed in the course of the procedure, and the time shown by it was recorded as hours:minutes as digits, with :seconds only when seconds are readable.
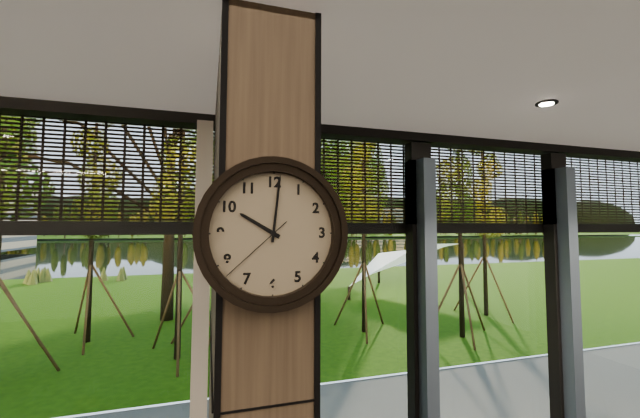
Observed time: 10:01:38
